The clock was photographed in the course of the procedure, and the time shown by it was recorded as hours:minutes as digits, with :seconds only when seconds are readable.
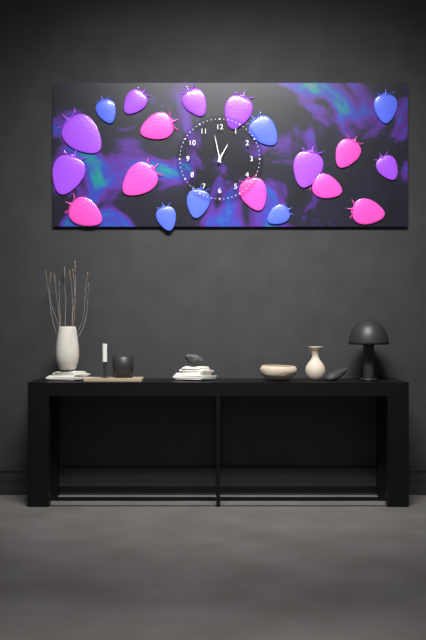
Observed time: 12:58
